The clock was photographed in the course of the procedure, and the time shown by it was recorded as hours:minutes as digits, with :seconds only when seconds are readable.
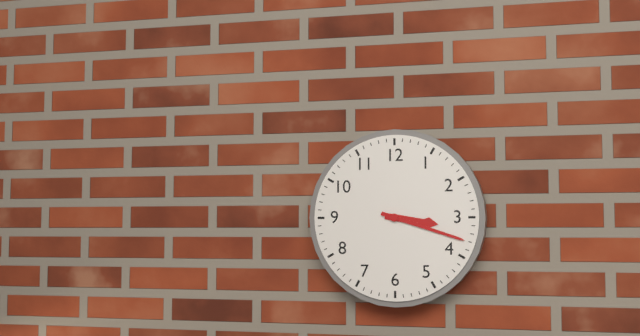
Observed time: 3:18
